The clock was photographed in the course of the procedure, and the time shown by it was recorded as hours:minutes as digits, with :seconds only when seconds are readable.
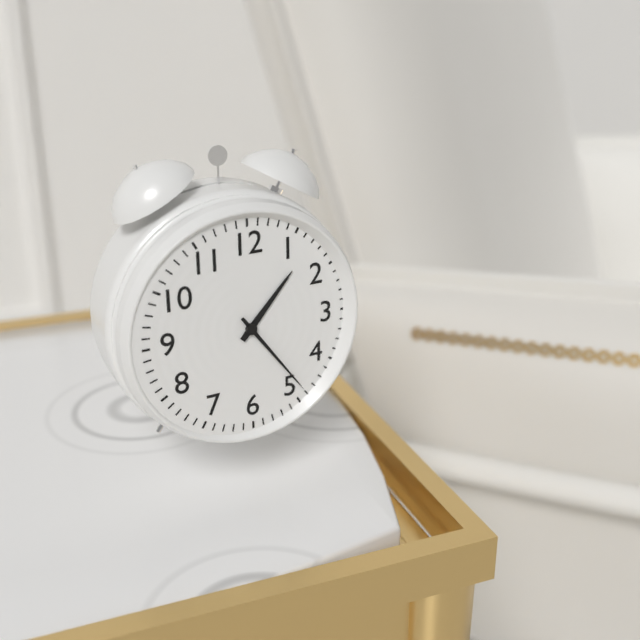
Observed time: 1:24
